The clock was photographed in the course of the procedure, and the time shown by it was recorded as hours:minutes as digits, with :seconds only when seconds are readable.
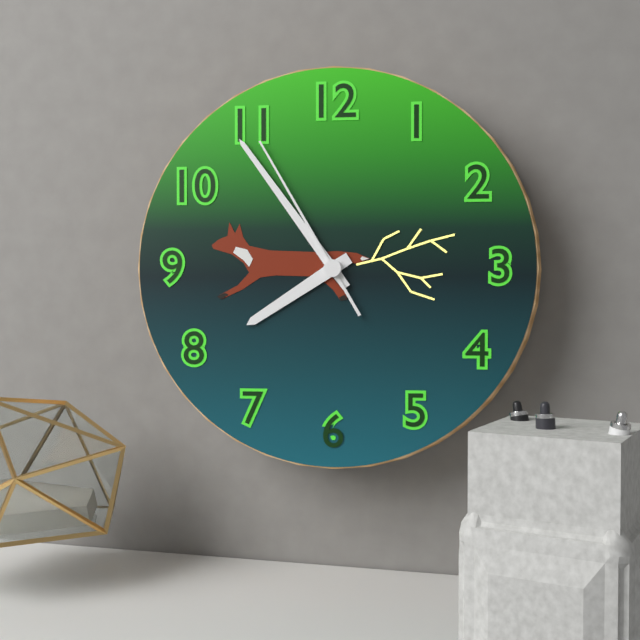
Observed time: 7:54:55
